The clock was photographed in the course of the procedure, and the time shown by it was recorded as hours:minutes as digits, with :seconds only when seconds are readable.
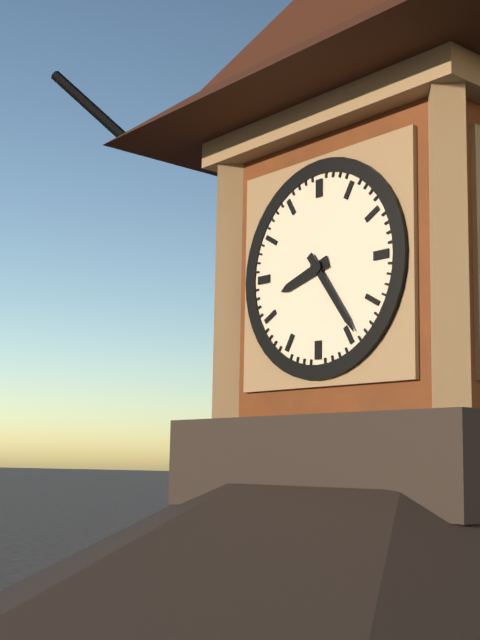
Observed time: 8:24
